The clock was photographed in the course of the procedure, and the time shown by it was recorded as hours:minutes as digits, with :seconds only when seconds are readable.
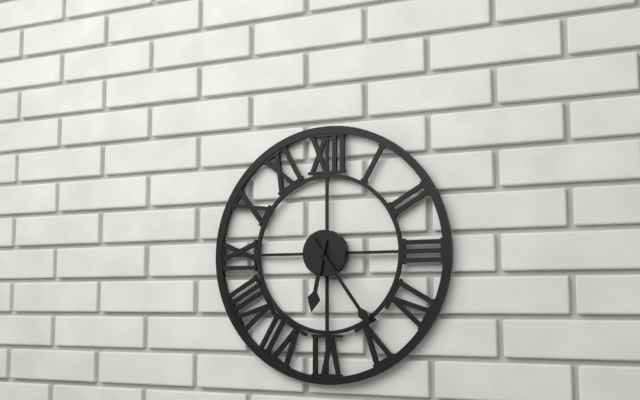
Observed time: 6:24
